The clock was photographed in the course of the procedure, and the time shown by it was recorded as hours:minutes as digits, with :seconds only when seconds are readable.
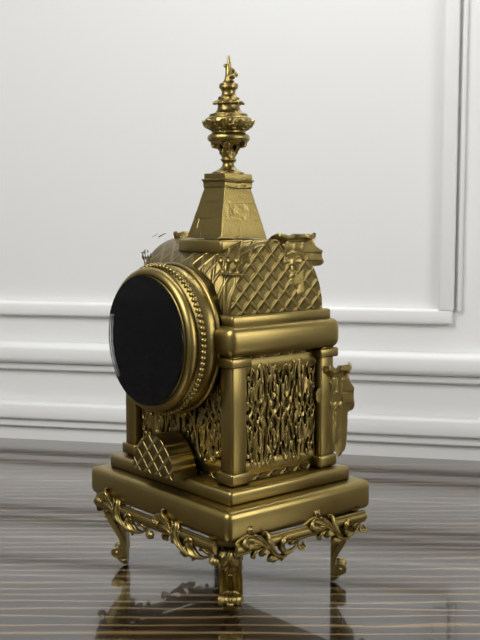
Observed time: 10:22
